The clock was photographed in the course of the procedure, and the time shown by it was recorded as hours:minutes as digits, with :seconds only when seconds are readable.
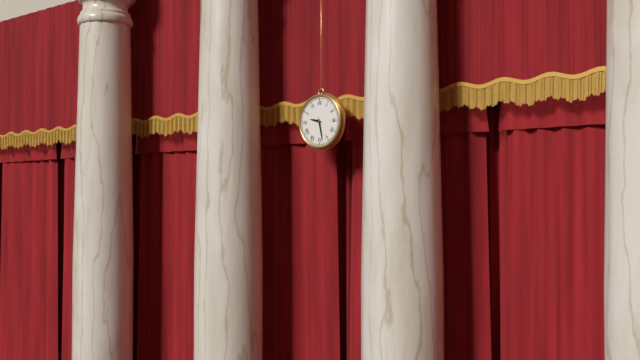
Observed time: 9:28
